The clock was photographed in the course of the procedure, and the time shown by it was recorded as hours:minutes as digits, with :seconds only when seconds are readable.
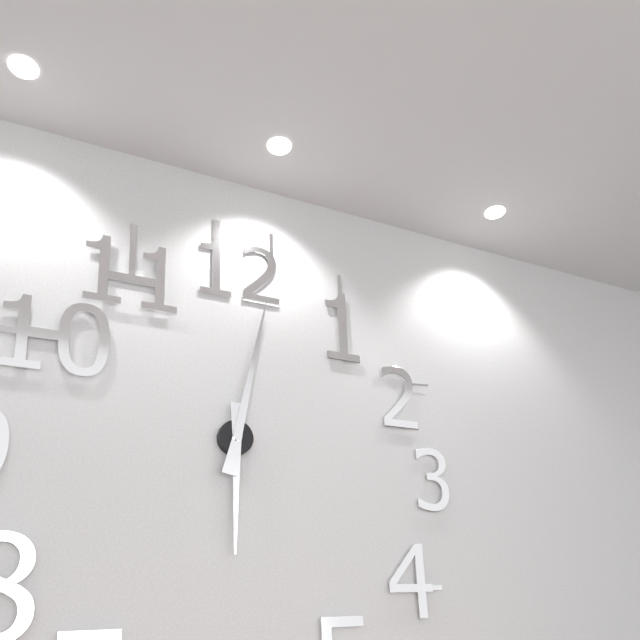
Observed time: 6:02
